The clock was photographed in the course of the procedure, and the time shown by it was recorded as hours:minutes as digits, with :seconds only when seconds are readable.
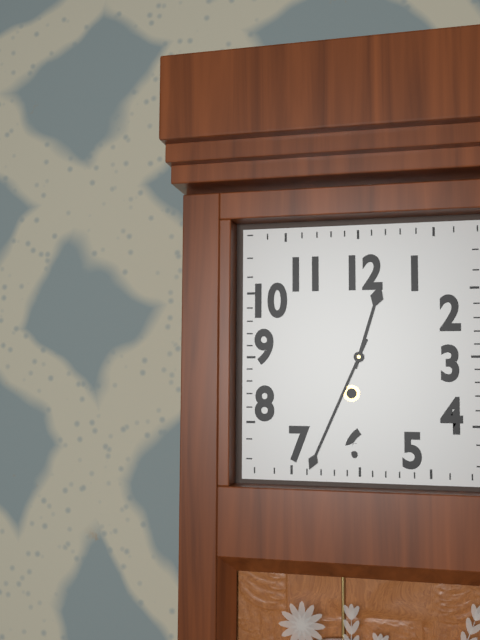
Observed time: 12:34
